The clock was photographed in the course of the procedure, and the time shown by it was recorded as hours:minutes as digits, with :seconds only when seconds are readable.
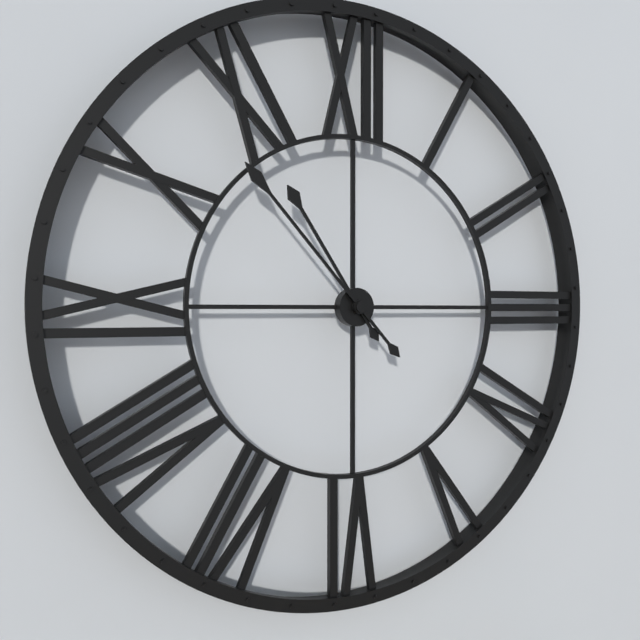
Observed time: 10:53
